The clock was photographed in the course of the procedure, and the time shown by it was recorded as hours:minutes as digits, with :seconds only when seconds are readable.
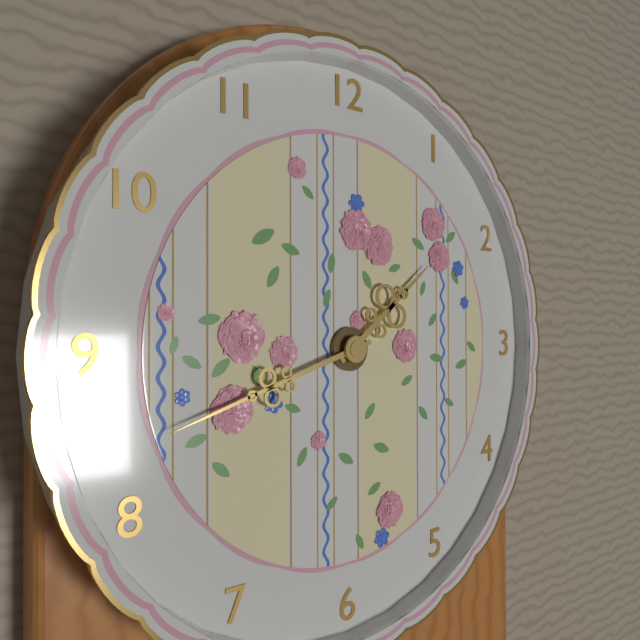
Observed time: 1:42
